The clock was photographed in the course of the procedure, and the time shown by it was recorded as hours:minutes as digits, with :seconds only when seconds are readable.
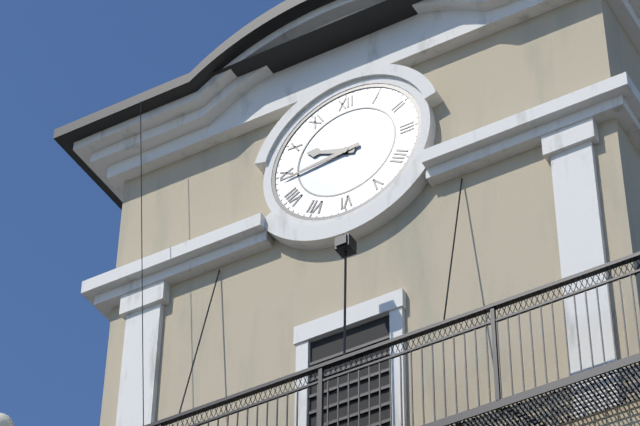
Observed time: 9:44
